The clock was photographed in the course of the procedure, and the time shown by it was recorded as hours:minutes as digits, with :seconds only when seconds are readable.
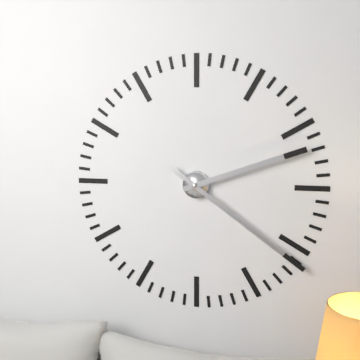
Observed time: 2:21
